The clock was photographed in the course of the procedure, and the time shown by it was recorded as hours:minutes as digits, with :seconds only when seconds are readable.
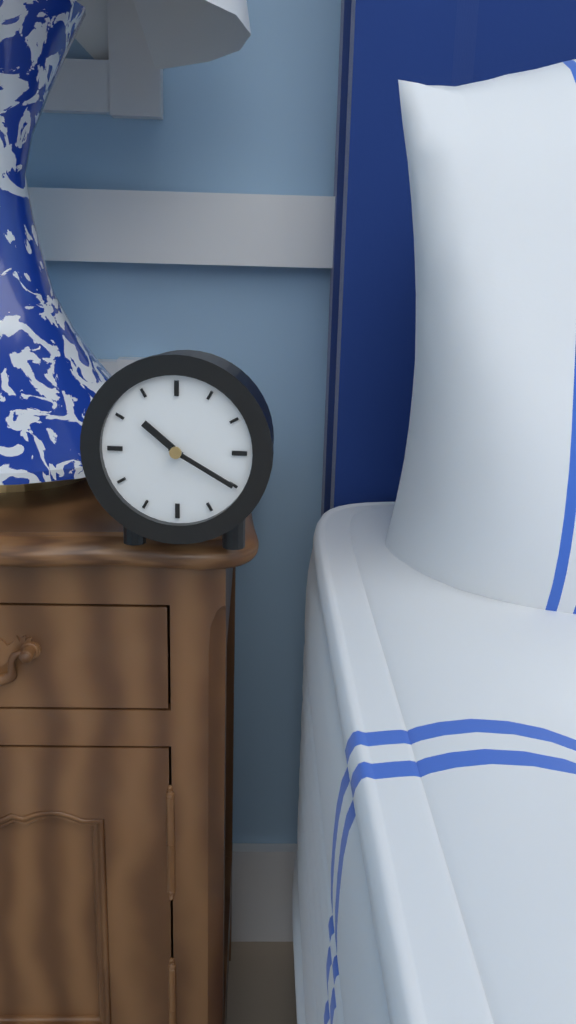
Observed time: 10:20
